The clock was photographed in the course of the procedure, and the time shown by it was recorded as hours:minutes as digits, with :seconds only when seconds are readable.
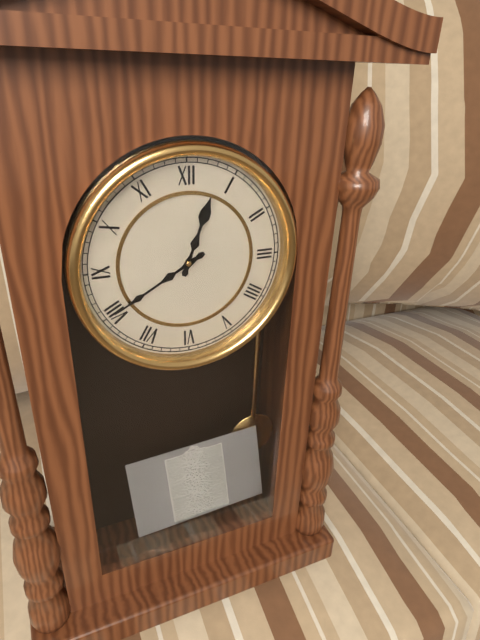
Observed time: 12:40
